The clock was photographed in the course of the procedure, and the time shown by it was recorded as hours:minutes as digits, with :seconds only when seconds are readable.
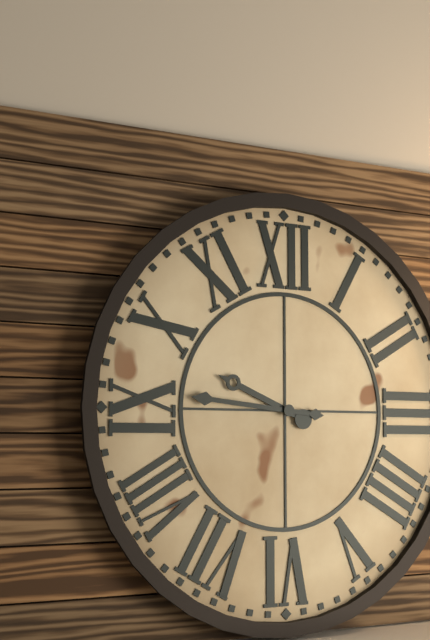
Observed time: 9:46
